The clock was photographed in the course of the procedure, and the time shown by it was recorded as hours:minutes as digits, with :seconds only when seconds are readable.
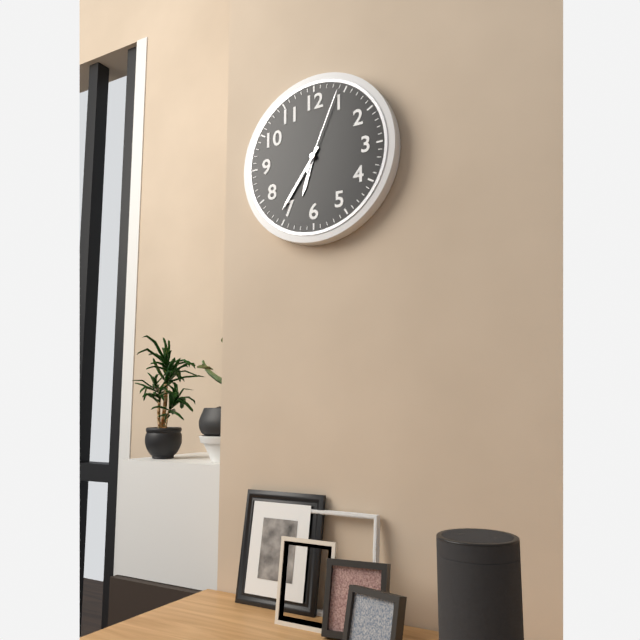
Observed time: 6:36:04
